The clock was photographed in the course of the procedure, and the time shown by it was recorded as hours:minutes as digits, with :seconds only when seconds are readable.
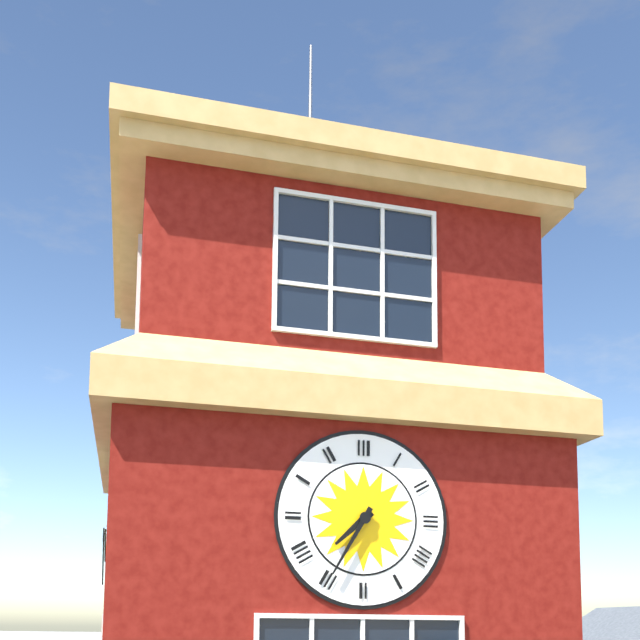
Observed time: 7:35
